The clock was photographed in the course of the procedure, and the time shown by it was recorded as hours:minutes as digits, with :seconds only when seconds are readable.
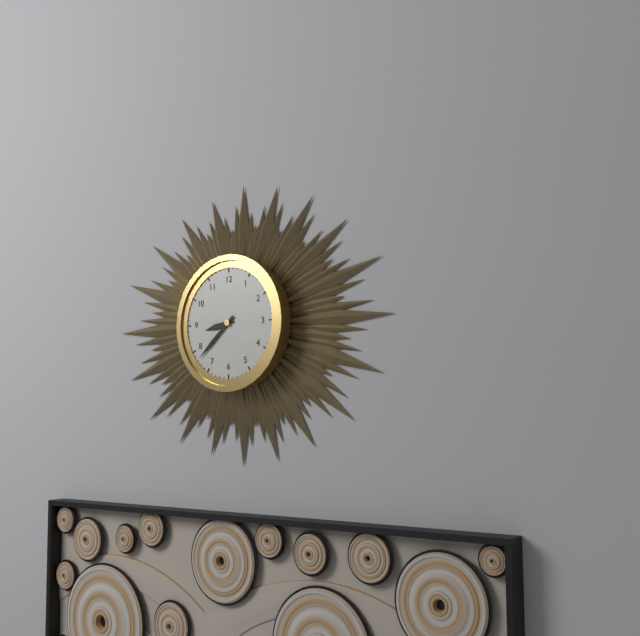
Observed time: 8:38
